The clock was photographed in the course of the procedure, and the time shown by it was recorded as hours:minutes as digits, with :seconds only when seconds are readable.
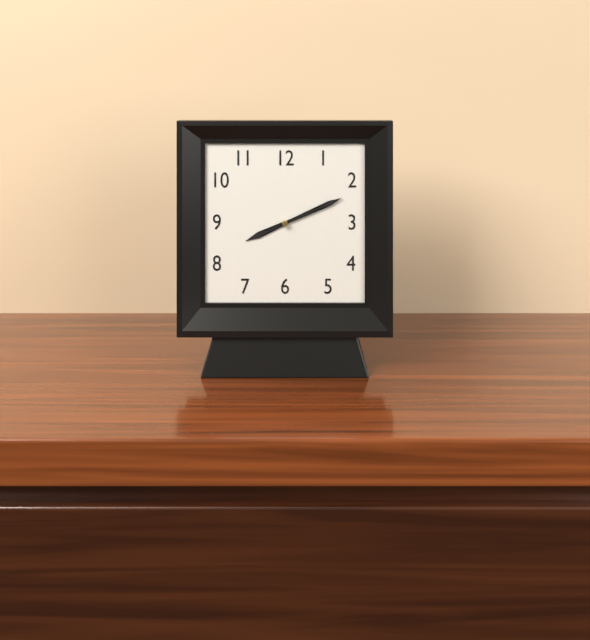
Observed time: 8:11
